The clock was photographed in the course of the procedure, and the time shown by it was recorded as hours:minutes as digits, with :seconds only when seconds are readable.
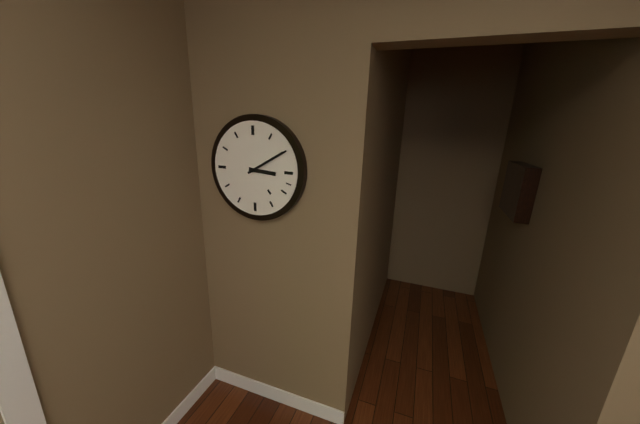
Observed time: 3:10
